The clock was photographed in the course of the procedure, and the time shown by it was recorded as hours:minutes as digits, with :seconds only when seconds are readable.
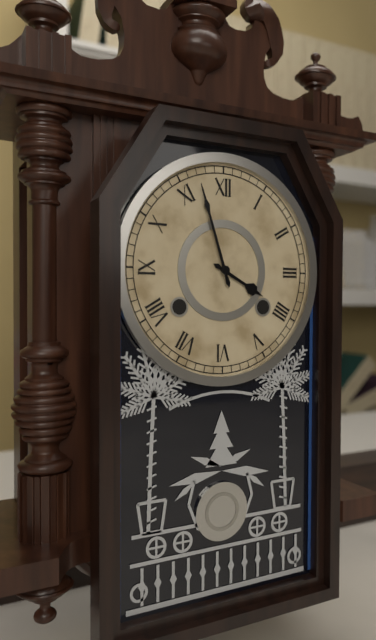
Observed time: 3:57
